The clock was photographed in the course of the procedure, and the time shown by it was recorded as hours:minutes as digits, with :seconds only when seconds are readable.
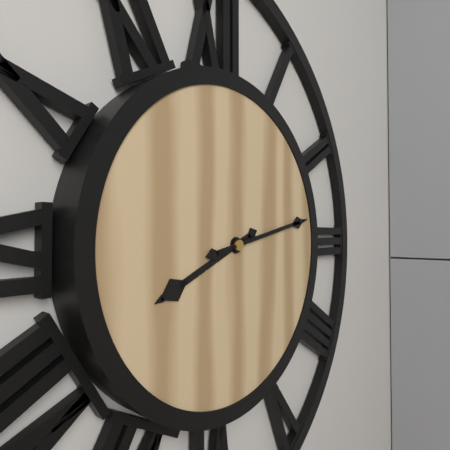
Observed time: 8:13
